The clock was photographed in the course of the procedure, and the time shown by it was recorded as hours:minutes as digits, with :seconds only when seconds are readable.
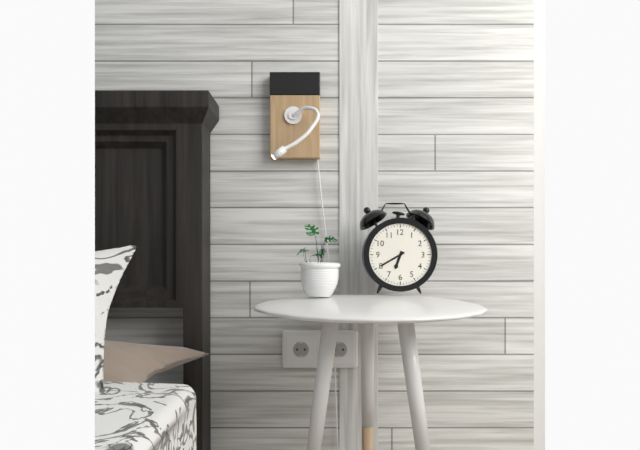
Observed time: 6:40
